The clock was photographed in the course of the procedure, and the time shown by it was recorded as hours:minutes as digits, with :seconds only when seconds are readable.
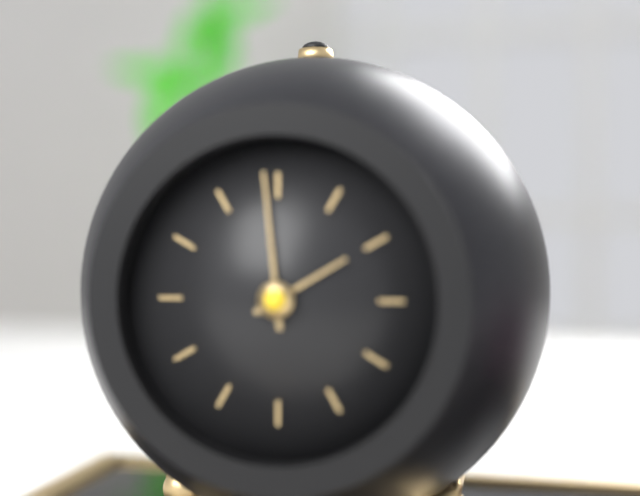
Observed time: 1:59
